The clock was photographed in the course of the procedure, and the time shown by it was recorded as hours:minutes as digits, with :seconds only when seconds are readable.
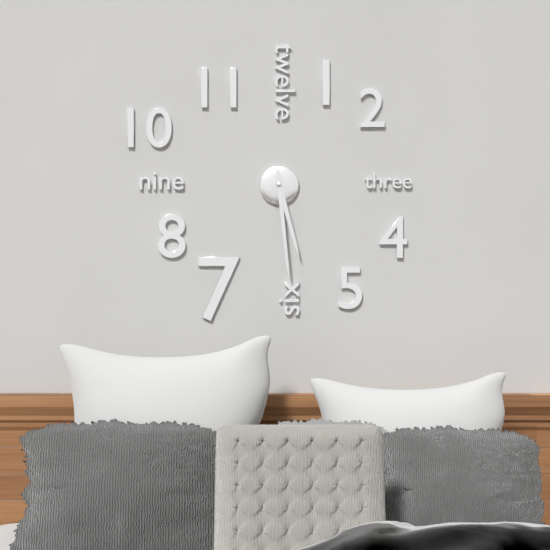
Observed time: 5:29
